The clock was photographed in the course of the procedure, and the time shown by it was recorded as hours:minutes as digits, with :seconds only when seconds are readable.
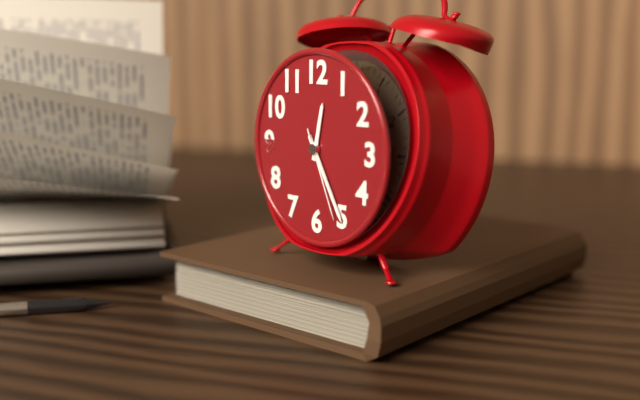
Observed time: 12:25:26
